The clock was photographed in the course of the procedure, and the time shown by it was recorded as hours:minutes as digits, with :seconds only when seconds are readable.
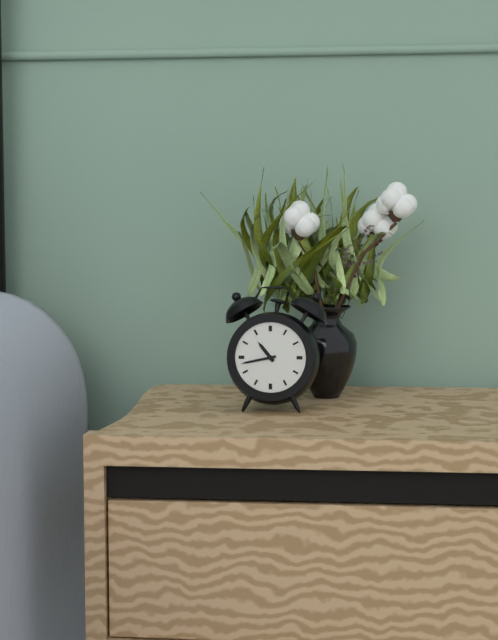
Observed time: 10:43
